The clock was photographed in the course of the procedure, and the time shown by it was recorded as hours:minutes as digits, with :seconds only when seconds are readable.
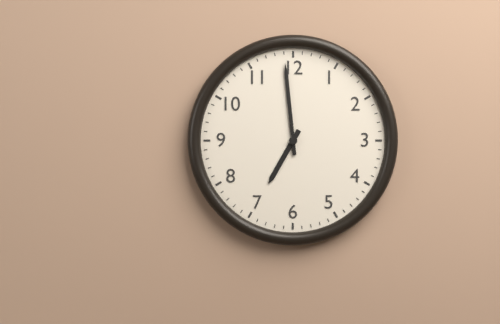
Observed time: 6:59
